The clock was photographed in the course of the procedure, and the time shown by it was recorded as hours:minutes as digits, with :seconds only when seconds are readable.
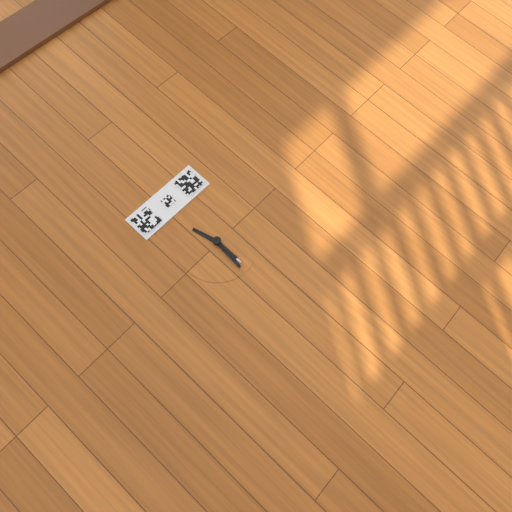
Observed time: 11:31
